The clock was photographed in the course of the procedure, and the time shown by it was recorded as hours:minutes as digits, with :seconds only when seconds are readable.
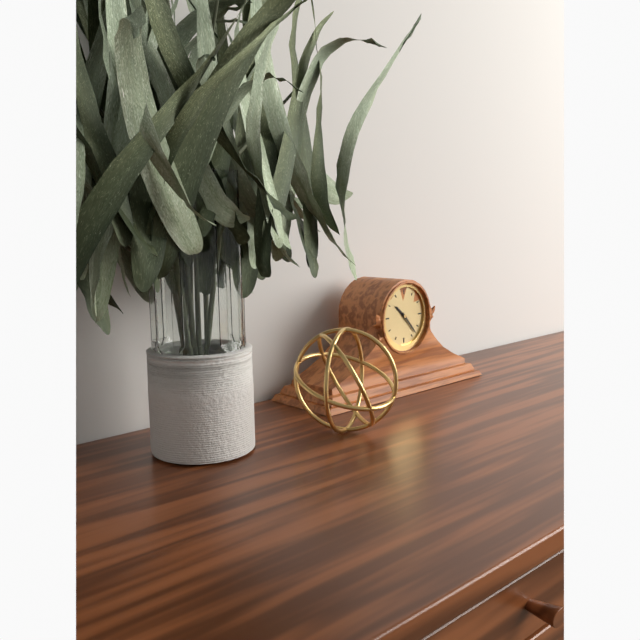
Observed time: 10:23
